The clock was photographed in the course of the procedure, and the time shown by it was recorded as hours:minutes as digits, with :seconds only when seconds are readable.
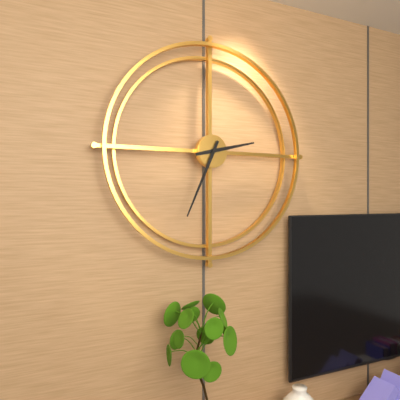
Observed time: 2:34
